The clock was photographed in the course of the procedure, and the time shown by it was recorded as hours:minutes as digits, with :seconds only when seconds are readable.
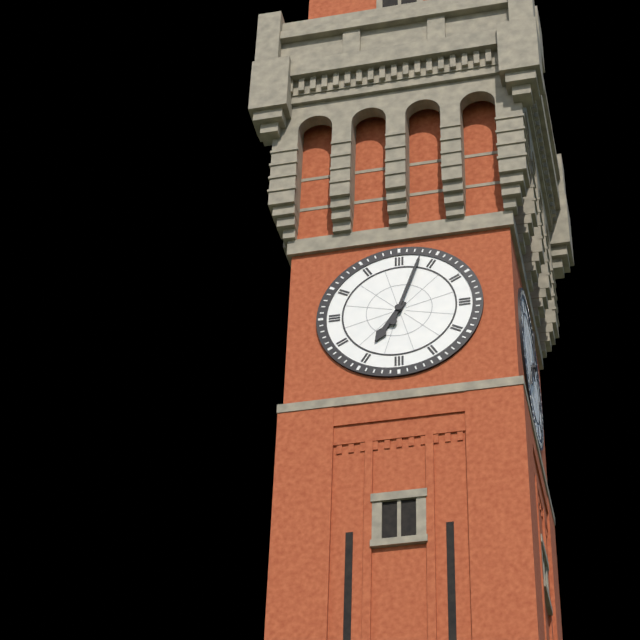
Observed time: 7:03
